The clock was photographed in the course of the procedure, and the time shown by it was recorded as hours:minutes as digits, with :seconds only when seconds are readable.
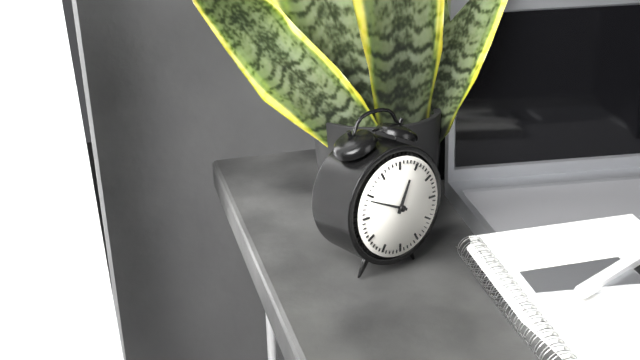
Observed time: 12:49
